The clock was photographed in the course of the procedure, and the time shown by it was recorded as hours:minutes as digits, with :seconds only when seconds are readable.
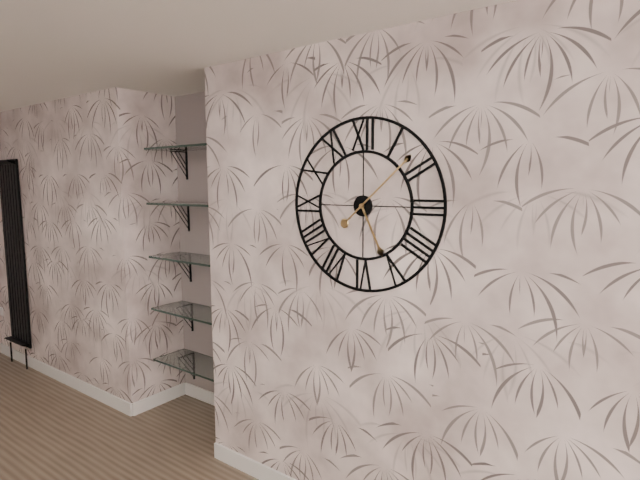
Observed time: 5:08
